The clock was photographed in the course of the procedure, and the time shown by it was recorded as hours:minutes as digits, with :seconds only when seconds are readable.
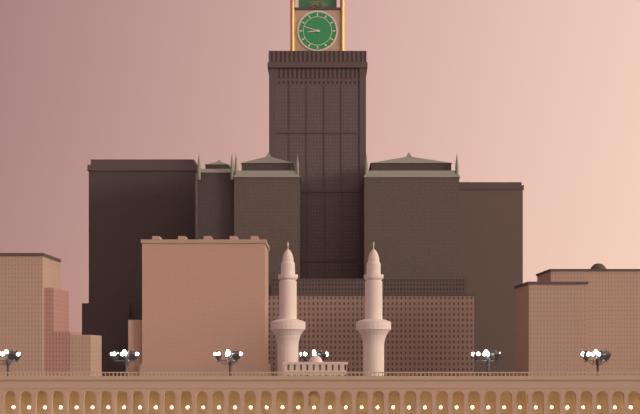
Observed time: 8:48
